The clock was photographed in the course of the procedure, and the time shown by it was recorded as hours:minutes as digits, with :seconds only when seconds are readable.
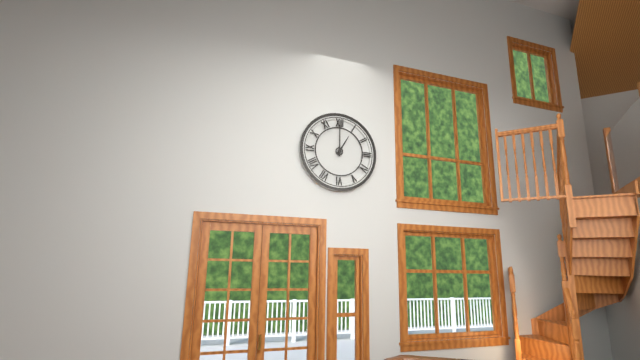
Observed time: 1:00
